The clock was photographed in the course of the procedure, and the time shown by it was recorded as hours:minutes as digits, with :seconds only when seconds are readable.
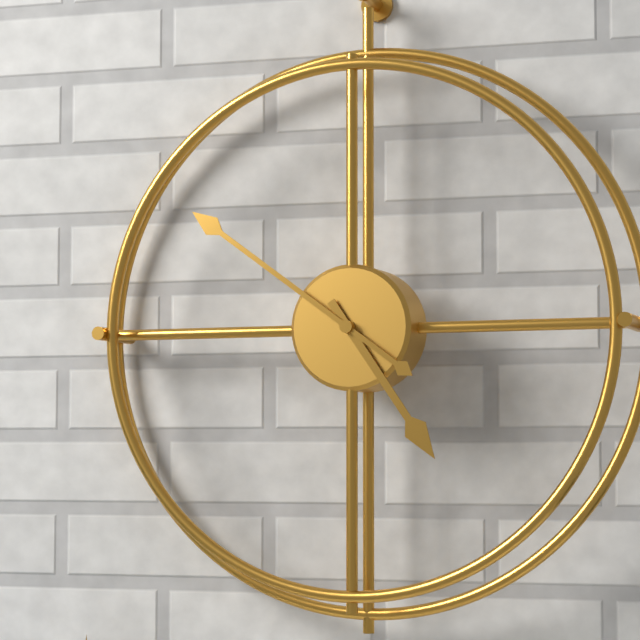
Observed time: 4:51
